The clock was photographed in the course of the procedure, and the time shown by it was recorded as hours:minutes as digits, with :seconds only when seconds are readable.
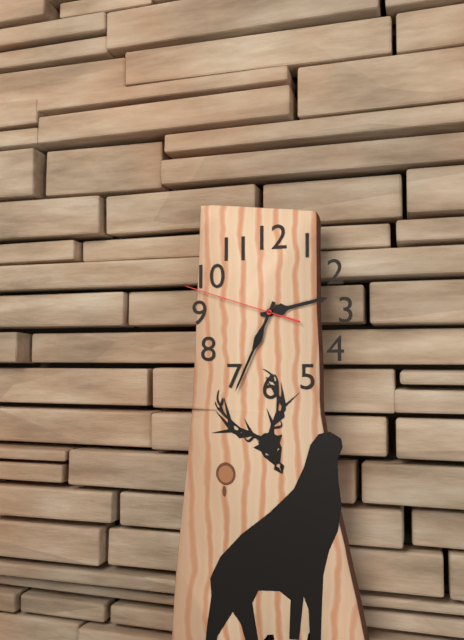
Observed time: 2:34:48
